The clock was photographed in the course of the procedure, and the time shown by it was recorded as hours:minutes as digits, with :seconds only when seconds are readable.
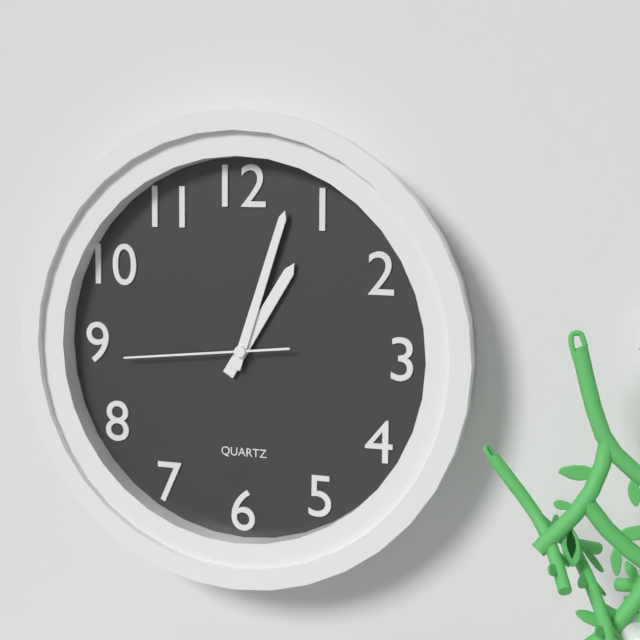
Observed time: 1:03:44
